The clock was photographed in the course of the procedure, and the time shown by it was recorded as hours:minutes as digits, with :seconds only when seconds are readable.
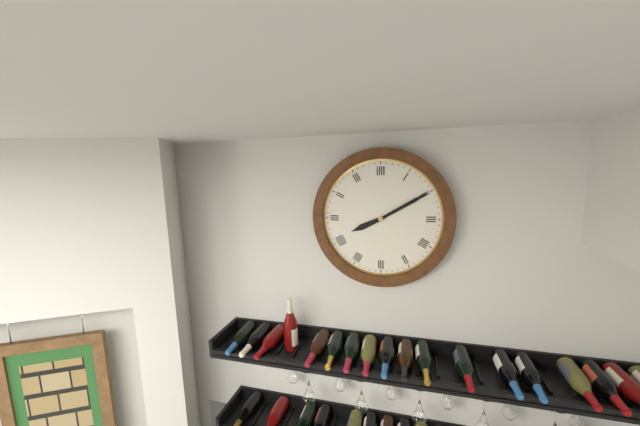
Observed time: 8:10
